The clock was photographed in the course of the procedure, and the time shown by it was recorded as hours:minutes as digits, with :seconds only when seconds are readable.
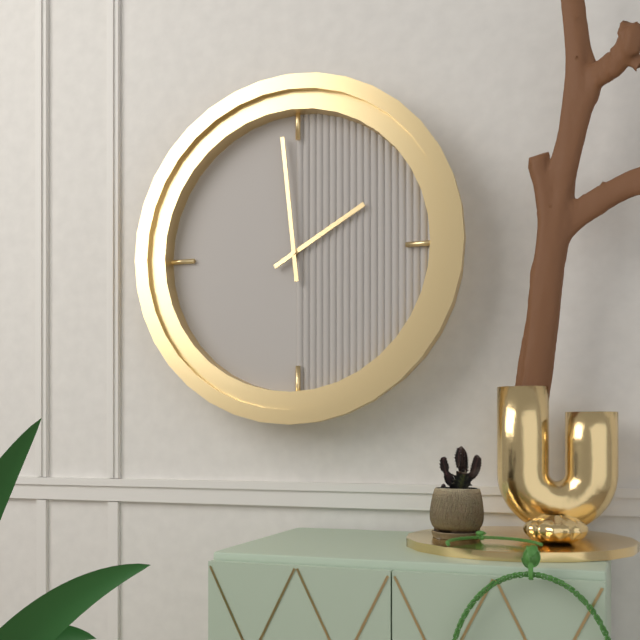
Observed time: 1:59
